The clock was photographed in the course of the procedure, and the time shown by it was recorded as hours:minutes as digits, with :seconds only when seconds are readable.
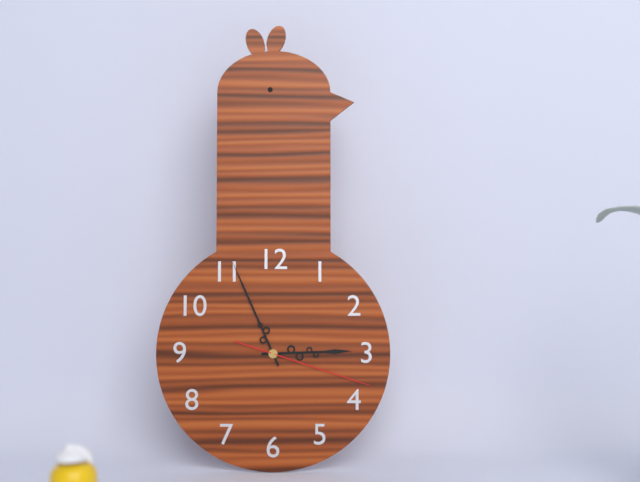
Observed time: 2:56:18
